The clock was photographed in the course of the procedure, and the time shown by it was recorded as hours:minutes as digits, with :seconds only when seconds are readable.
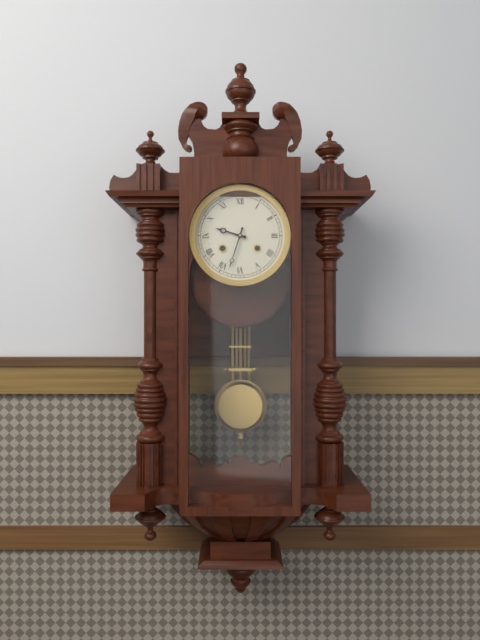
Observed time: 9:33
